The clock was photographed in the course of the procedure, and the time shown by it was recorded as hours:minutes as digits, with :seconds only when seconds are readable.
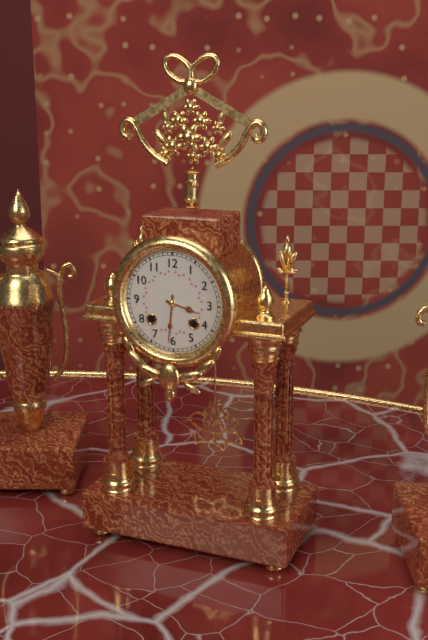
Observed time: 3:31
